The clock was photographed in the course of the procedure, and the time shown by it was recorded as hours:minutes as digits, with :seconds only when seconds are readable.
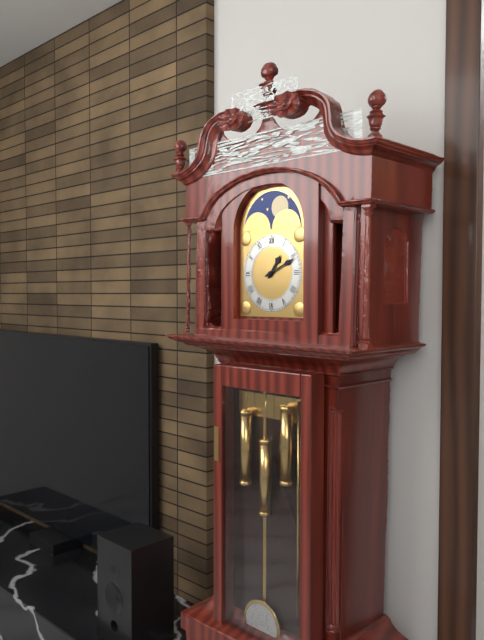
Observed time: 1:11
